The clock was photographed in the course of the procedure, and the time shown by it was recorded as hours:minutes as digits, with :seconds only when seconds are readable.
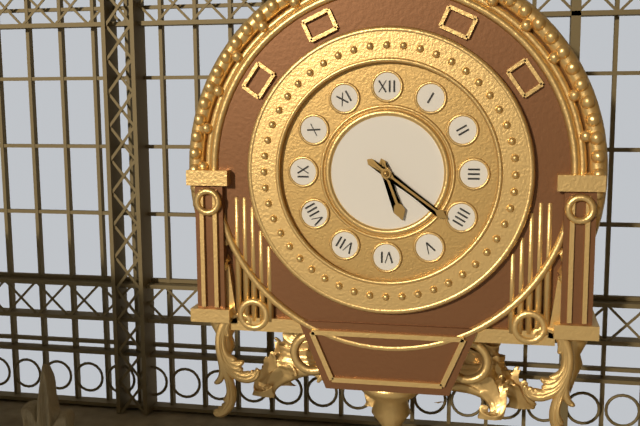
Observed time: 5:21
